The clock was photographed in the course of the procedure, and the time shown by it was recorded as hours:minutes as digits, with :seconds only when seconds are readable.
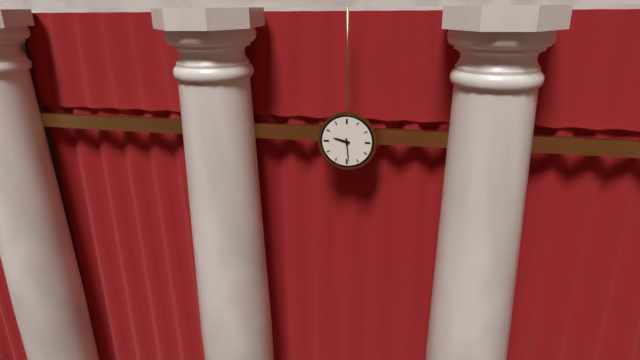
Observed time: 9:29
